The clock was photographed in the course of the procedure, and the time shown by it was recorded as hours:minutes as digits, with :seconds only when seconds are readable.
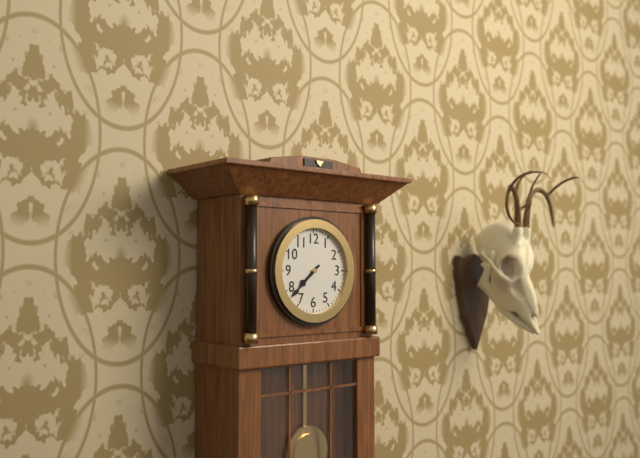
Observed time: 7:38
